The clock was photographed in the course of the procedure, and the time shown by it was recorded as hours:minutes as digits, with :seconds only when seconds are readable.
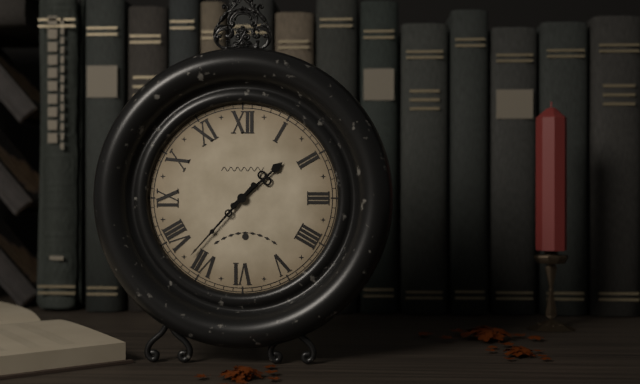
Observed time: 1:37
